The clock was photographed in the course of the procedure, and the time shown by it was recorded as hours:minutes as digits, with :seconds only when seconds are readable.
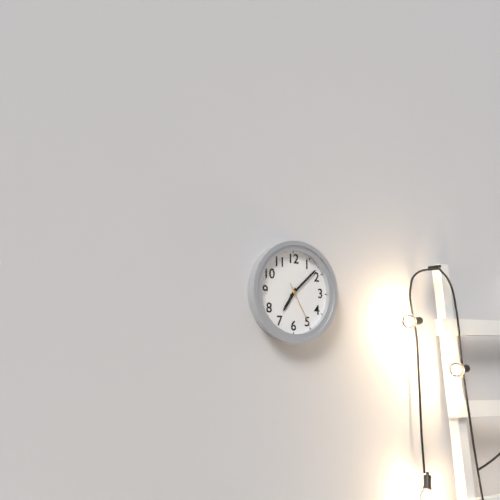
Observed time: 7:08
